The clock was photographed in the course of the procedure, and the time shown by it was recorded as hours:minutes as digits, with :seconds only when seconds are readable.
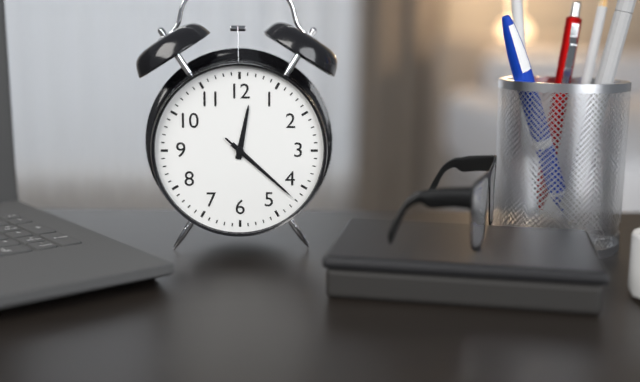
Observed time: 12:22:22
